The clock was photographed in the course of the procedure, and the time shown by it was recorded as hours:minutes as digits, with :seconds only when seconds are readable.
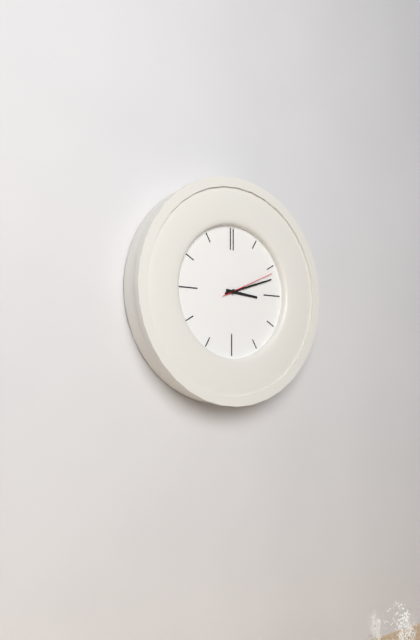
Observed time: 3:12:11
